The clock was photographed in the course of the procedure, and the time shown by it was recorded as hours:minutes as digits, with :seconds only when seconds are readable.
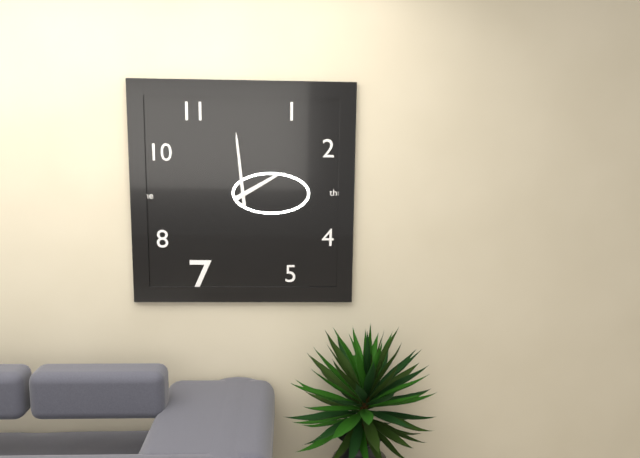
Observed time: 1:59
